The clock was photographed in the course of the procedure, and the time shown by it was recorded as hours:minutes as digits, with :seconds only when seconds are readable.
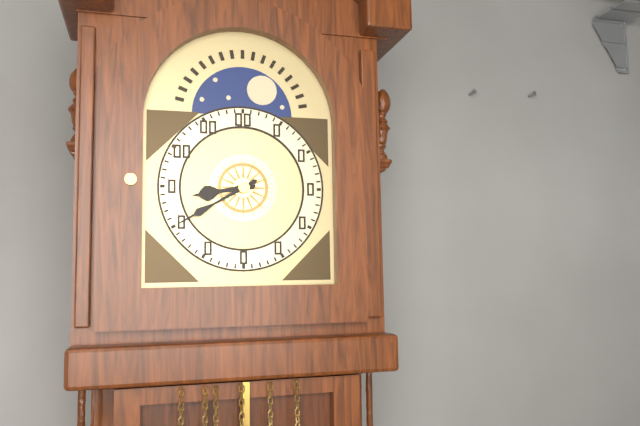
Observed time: 8:40
